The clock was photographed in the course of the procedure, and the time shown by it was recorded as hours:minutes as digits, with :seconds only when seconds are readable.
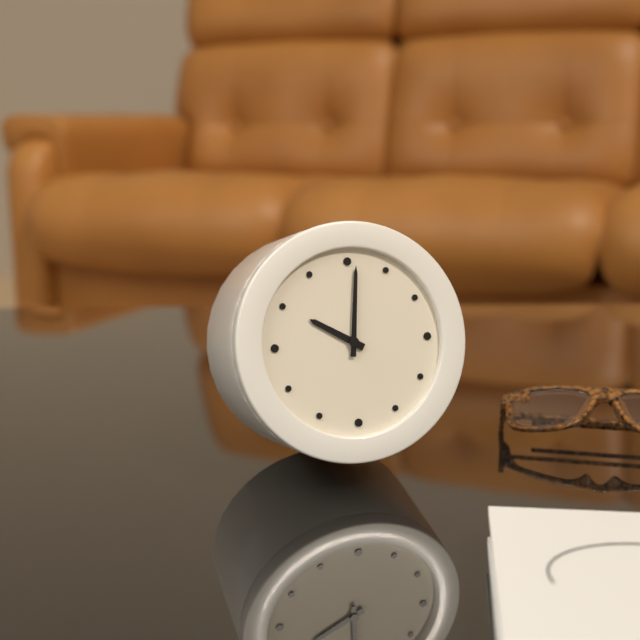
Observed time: 10:01
